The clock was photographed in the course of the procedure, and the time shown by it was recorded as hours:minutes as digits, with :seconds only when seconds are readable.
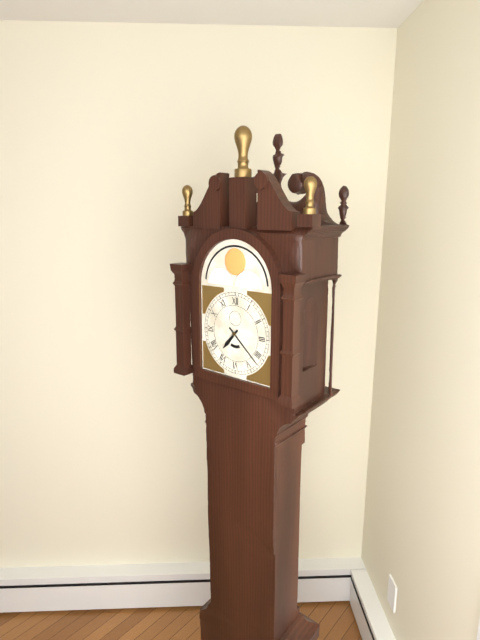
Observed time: 7:22
